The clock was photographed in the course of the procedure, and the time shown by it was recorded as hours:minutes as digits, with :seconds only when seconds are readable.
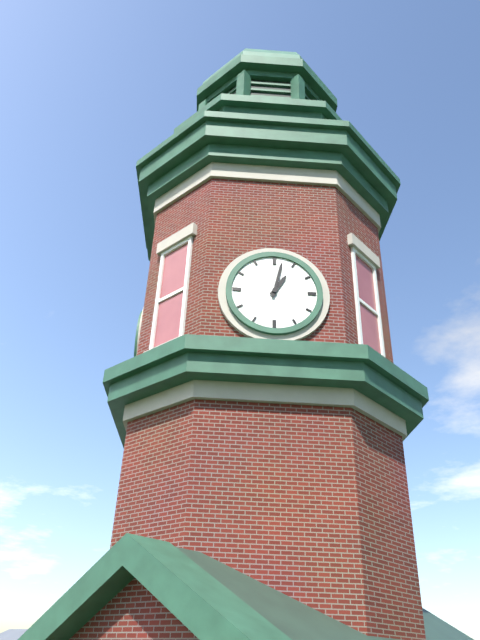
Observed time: 1:02
